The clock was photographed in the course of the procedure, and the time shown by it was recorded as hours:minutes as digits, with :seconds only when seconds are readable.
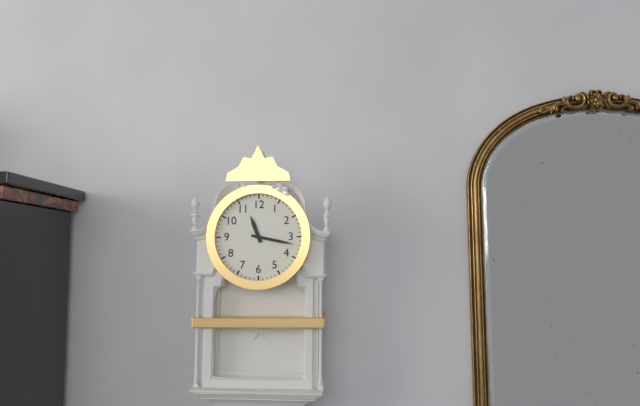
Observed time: 11:17
